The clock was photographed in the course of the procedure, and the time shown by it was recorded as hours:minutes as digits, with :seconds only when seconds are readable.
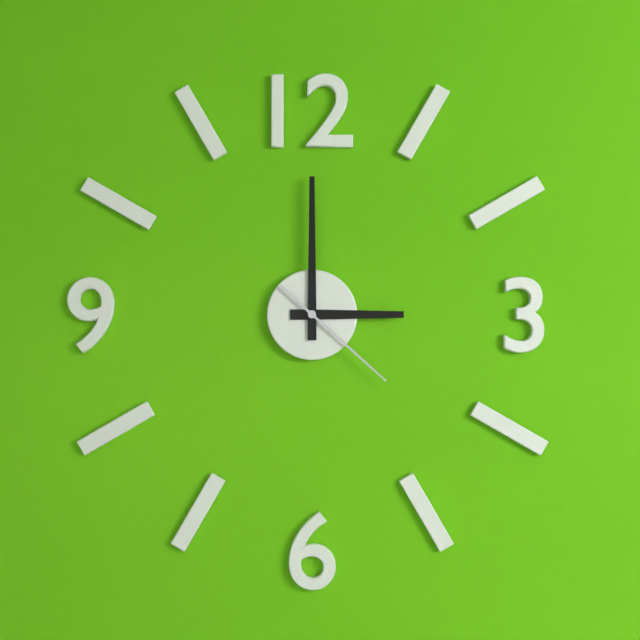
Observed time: 3:00:22
